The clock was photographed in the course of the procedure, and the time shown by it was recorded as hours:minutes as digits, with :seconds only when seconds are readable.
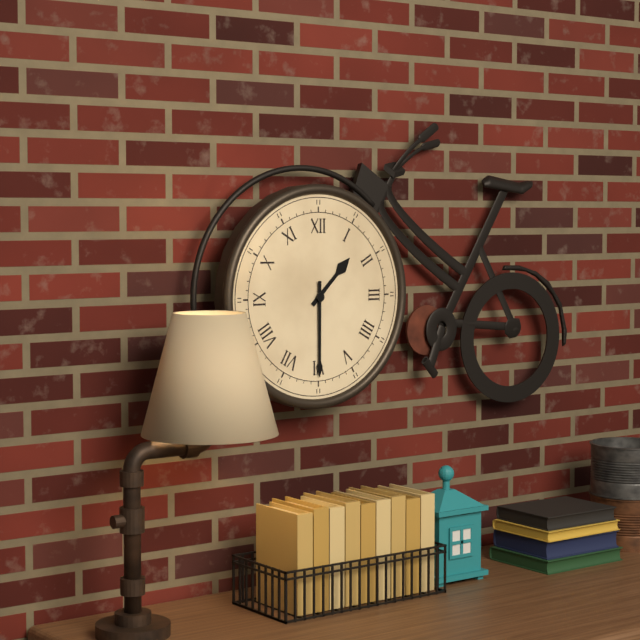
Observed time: 1:30
